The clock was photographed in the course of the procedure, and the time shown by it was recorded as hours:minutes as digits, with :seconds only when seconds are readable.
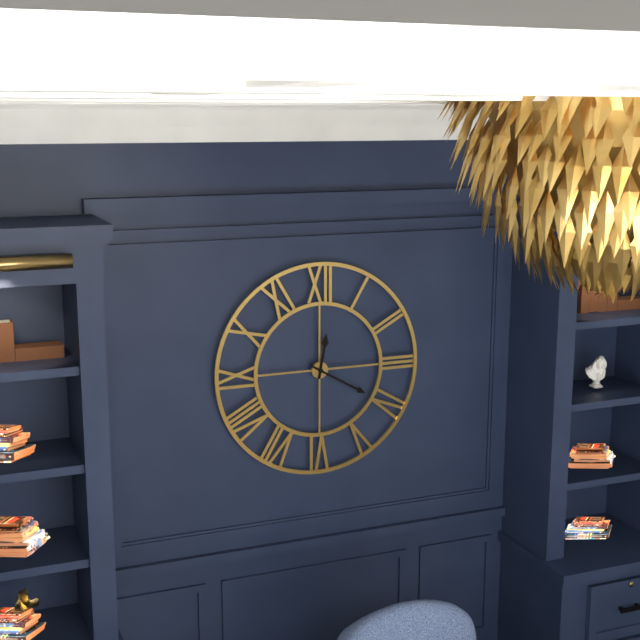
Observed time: 12:20
